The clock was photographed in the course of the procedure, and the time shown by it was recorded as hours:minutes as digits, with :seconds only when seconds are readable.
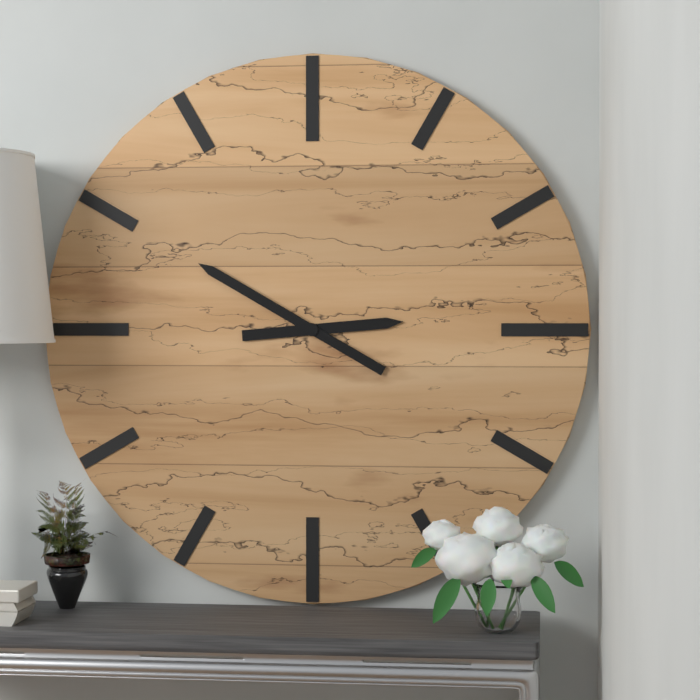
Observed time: 2:50
